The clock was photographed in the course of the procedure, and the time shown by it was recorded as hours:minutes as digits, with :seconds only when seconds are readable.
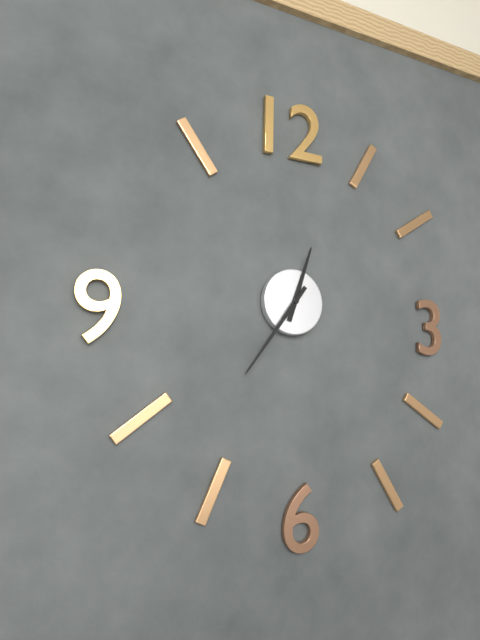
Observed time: 12:36
